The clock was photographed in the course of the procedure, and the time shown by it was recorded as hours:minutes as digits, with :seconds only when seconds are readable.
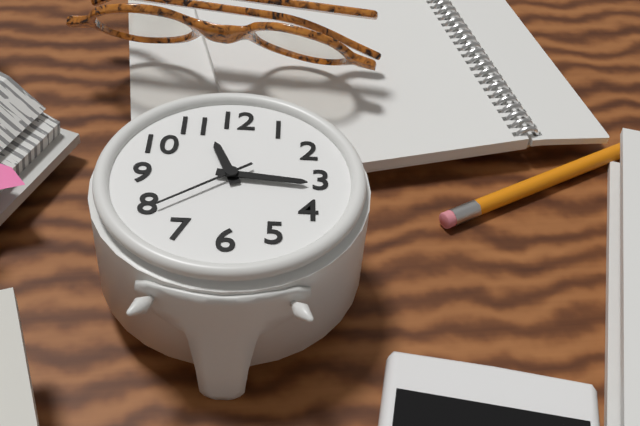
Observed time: 11:16:39
